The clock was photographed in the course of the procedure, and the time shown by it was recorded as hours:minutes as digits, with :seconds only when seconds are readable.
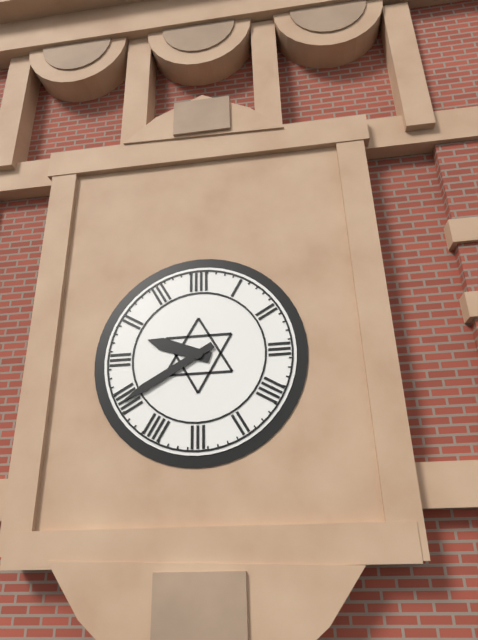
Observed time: 9:40
